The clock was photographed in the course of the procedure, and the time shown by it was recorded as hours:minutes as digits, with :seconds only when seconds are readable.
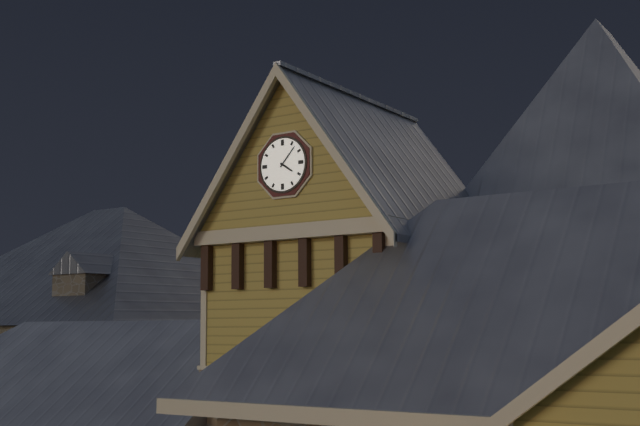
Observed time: 4:07
